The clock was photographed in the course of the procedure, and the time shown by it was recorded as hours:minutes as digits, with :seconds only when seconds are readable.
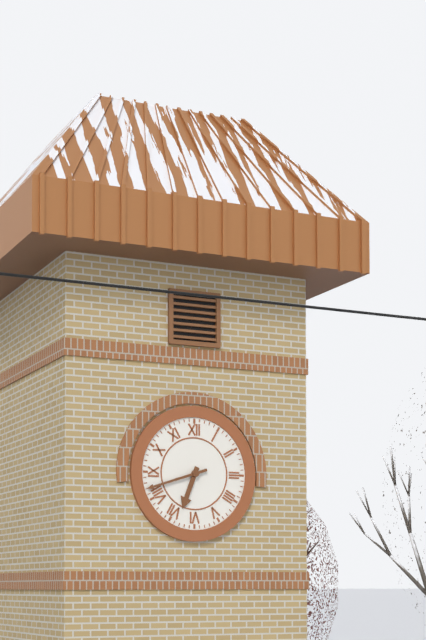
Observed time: 6:42
